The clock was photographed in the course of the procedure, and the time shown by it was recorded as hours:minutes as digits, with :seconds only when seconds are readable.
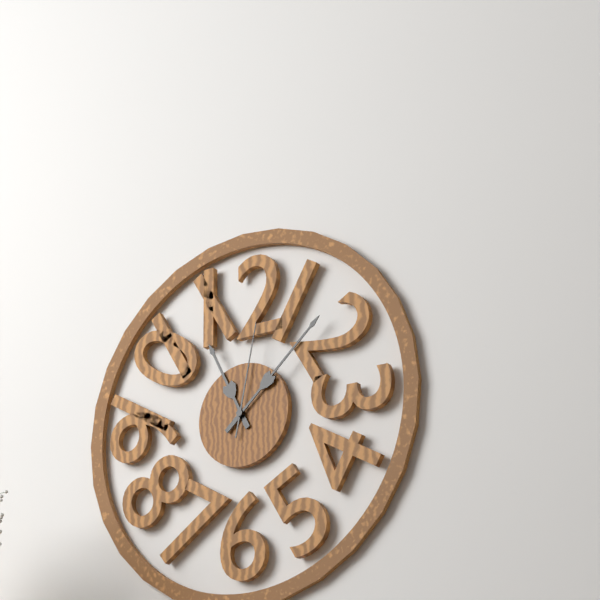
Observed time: 11:08:02
